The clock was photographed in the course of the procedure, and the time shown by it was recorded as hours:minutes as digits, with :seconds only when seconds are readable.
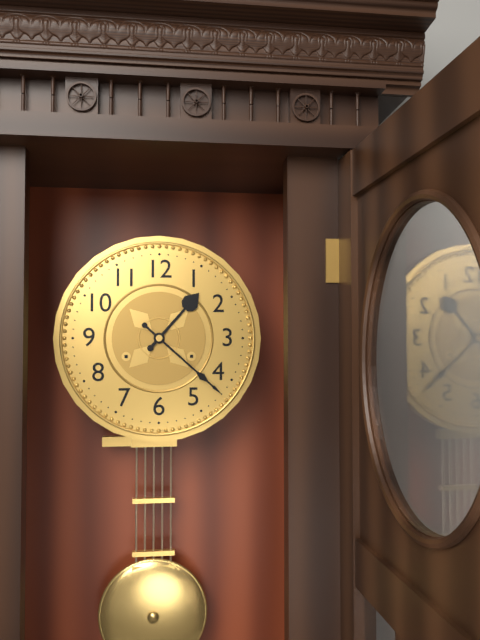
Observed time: 1:22
